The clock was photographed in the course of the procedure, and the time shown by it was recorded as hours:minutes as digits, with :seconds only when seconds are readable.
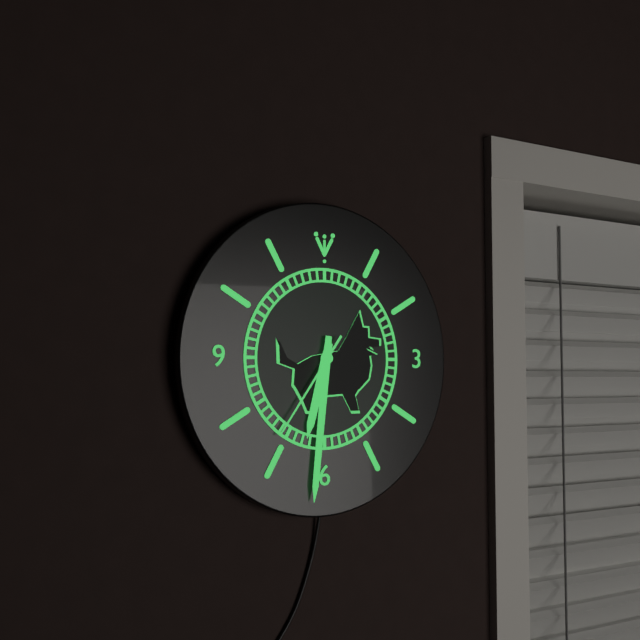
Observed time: 6:31:36
